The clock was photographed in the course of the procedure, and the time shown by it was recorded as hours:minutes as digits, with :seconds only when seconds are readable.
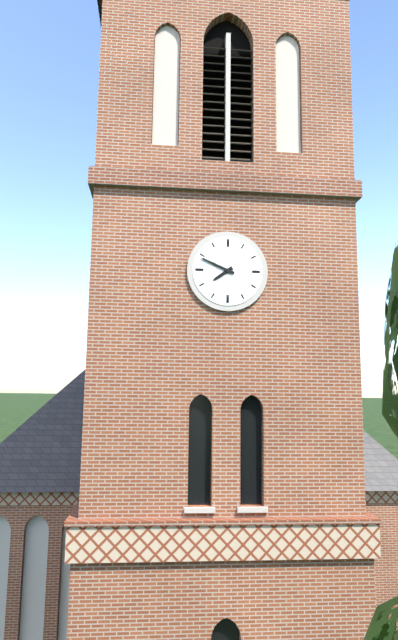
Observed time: 7:49
